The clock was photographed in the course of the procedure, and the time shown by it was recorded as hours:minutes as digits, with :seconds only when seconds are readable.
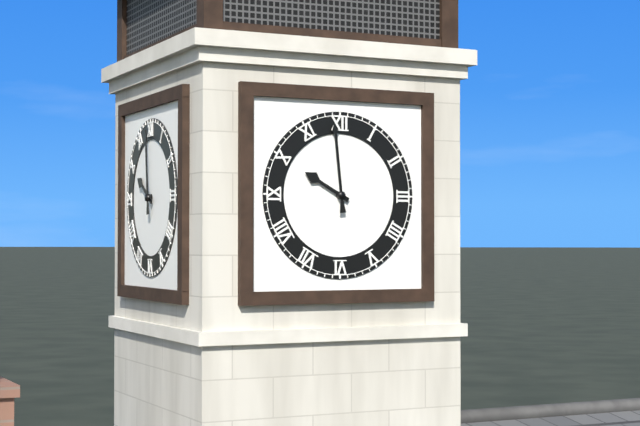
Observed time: 9:59
